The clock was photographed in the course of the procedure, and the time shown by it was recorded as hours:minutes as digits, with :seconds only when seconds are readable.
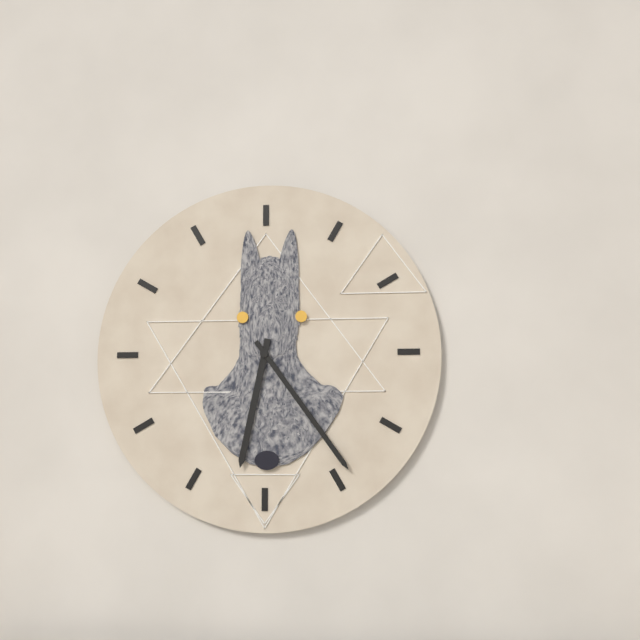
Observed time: 6:24
